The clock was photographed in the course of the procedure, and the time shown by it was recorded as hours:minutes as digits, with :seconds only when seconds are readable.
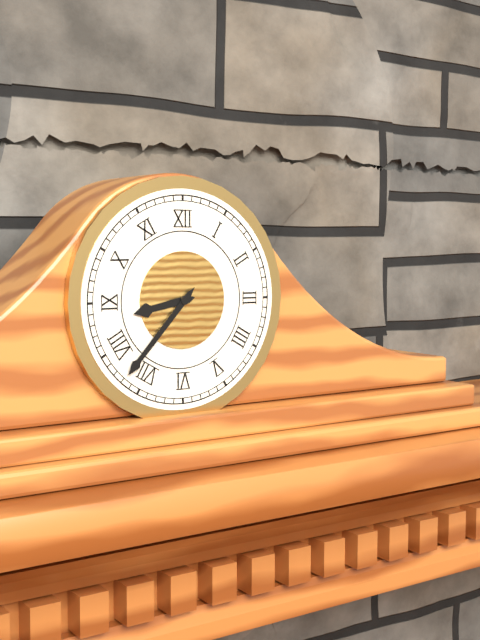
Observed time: 8:37
